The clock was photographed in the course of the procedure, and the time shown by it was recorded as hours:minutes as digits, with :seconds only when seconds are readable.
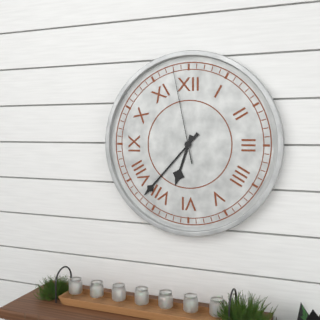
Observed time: 6:37:58
